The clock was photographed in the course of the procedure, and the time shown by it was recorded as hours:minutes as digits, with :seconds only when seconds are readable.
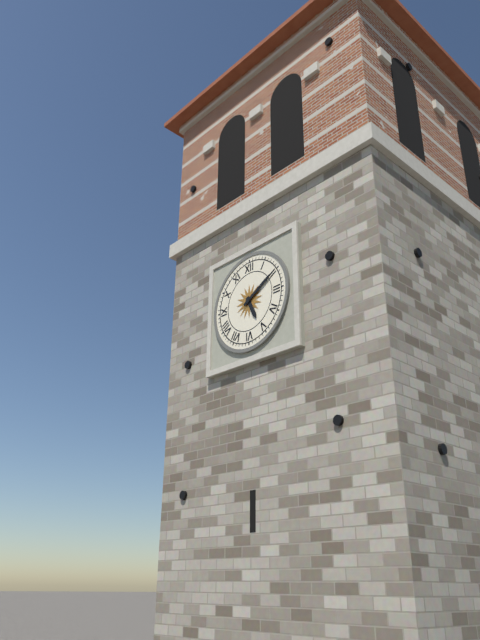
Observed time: 5:10
